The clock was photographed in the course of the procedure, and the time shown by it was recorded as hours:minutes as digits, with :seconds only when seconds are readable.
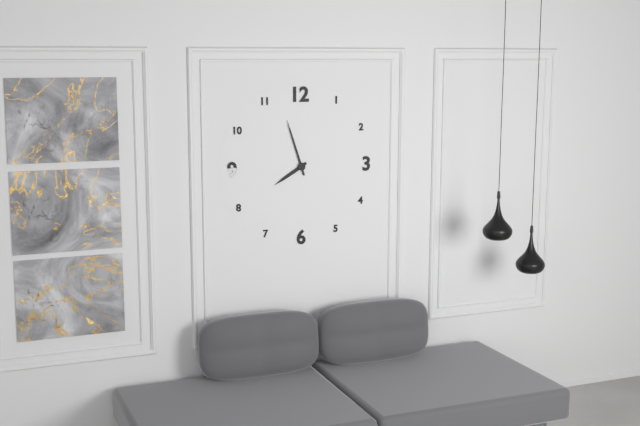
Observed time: 7:57
